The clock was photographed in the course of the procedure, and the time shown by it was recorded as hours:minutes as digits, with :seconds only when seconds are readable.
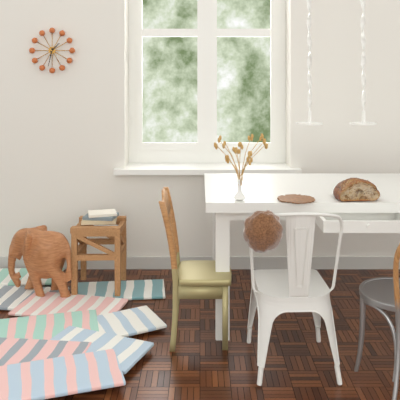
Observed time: 1:32
